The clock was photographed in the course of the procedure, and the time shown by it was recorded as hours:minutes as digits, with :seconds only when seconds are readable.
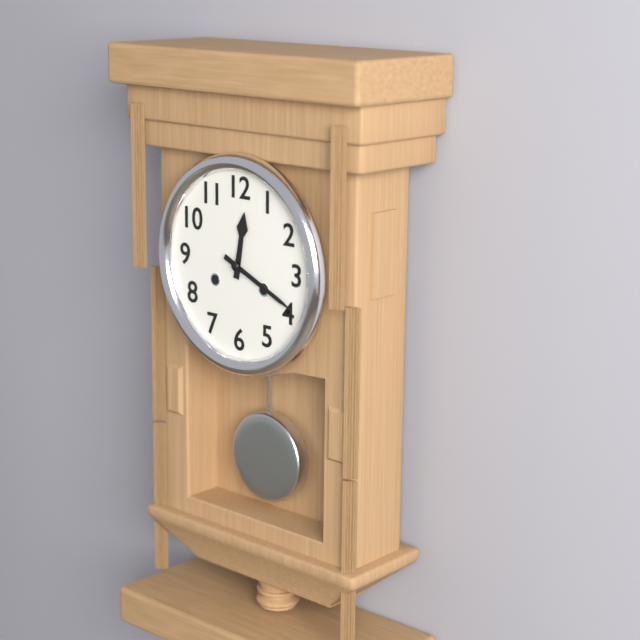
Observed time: 12:19
